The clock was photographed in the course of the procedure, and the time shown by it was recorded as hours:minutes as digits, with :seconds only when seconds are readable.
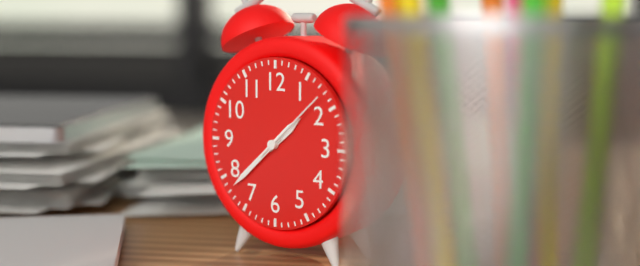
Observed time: 1:38:08
